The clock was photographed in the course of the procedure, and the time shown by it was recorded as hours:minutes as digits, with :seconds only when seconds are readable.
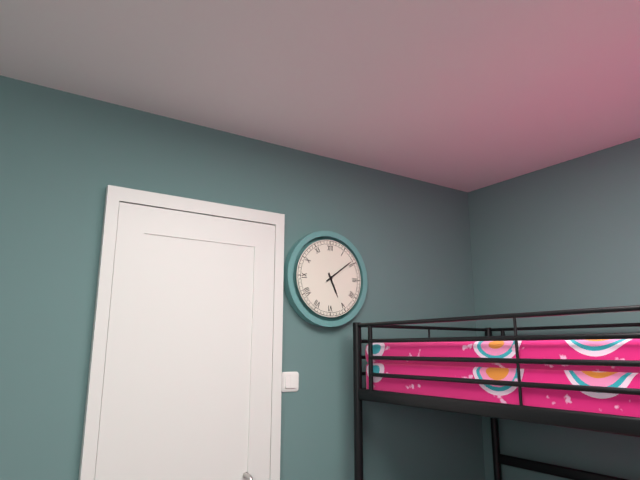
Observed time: 5:09
